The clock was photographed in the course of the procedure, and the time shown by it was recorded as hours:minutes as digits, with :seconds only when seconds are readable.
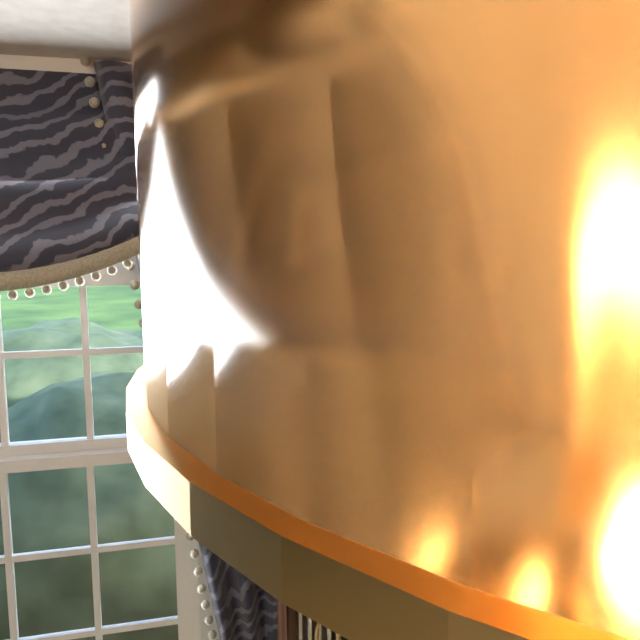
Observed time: 8:10
